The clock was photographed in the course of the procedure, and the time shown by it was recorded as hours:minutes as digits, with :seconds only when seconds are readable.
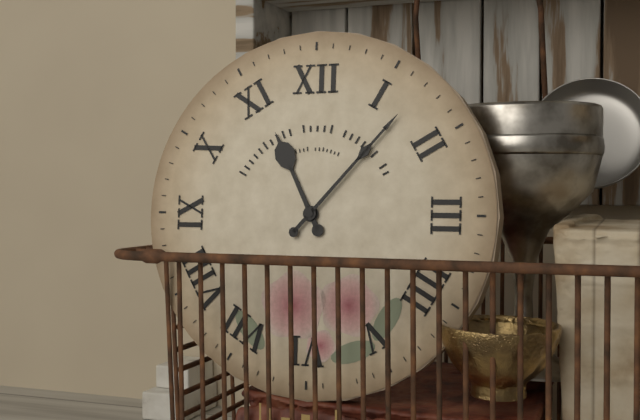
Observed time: 11:07
